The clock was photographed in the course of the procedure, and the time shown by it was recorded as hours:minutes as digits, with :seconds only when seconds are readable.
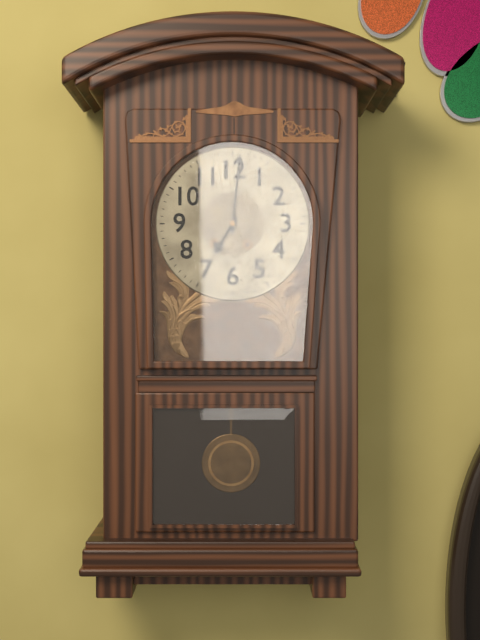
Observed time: 7:01
